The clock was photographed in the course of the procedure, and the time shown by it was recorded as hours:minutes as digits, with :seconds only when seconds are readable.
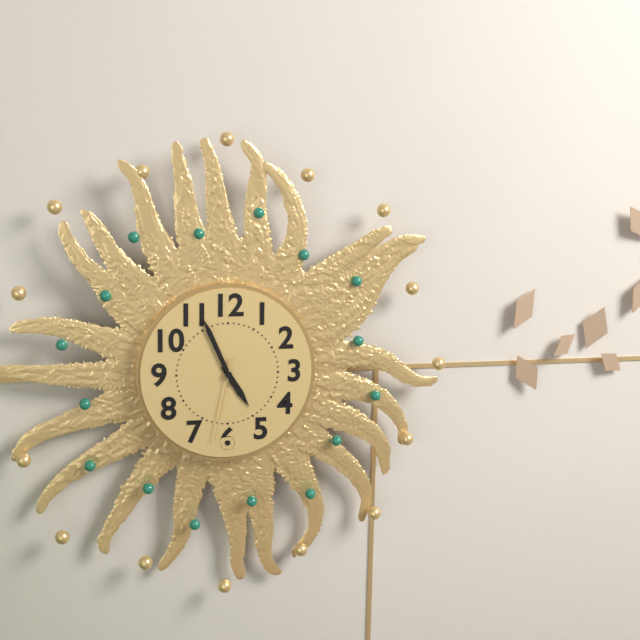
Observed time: 4:56:32
